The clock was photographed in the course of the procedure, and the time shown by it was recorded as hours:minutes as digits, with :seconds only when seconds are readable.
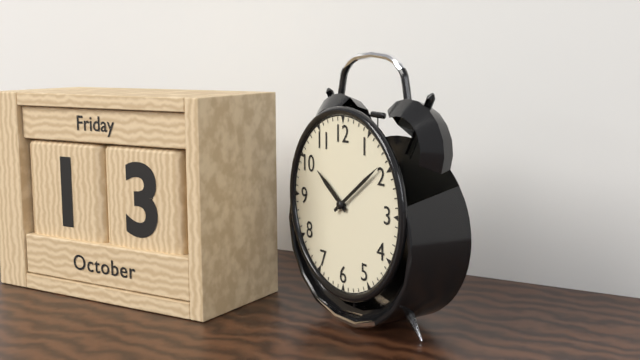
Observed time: 10:09
